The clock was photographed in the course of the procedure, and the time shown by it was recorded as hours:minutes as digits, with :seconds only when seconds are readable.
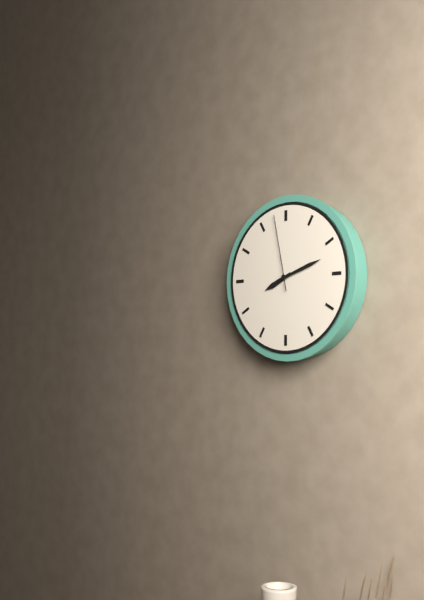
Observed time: 8:12:58
